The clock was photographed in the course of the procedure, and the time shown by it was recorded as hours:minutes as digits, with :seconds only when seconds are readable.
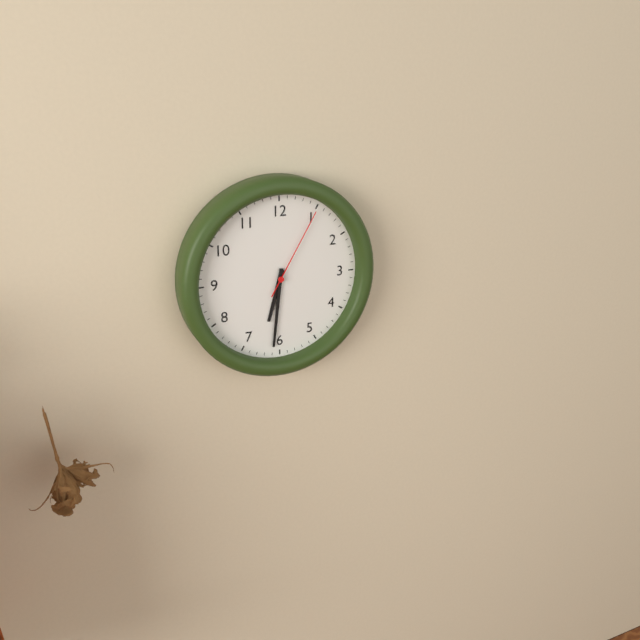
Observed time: 6:31:05
